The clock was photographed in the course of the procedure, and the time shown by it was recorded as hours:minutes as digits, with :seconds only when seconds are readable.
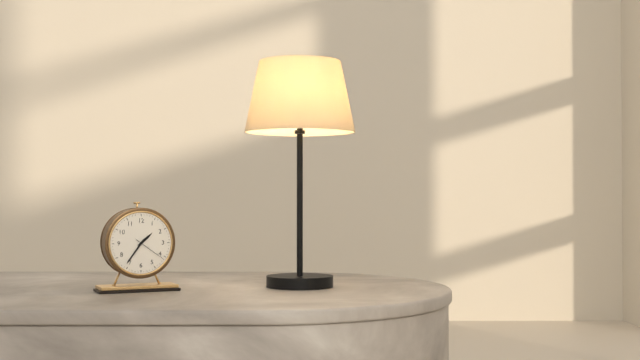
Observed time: 1:36
